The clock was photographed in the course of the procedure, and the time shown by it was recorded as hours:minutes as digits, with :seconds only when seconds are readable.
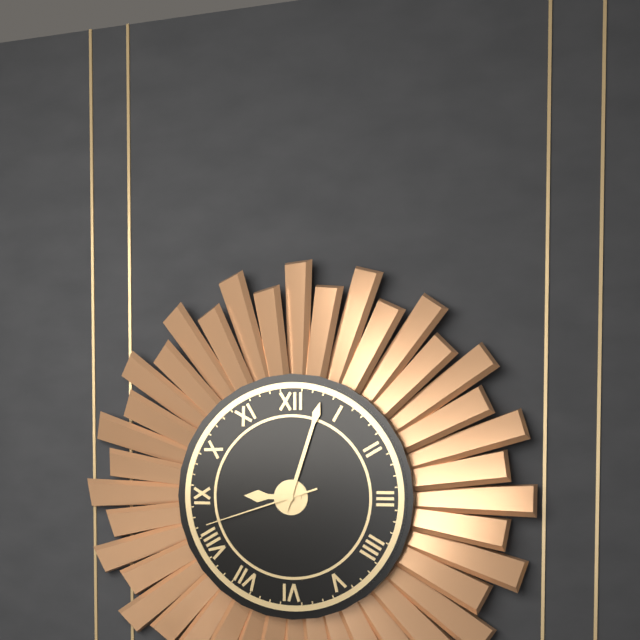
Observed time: 9:03:42
